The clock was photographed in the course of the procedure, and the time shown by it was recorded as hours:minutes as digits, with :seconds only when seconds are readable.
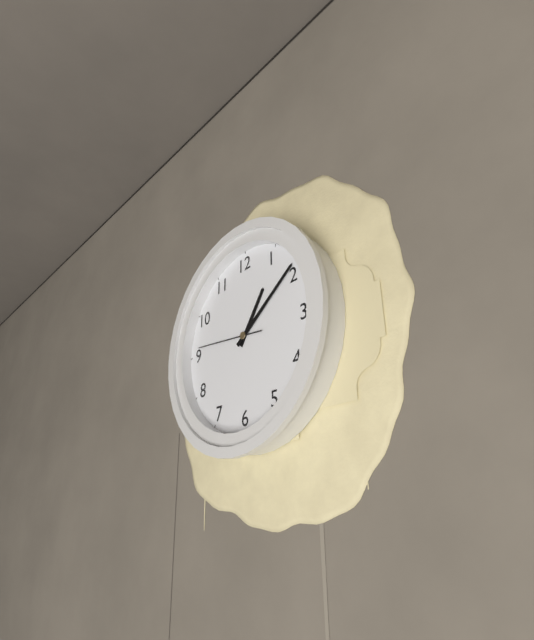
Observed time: 1:09:46
